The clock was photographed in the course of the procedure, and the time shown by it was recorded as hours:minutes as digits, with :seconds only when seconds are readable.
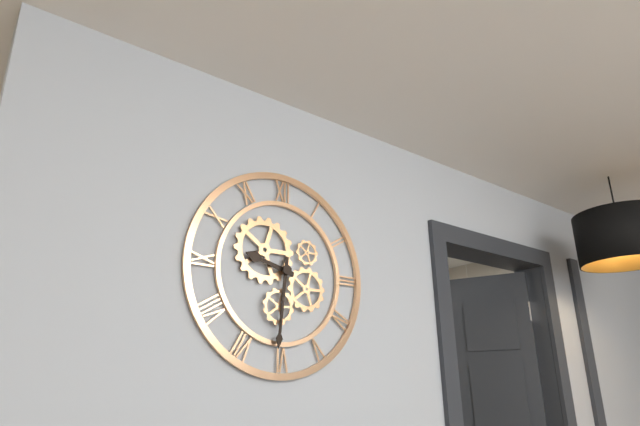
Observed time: 9:31
